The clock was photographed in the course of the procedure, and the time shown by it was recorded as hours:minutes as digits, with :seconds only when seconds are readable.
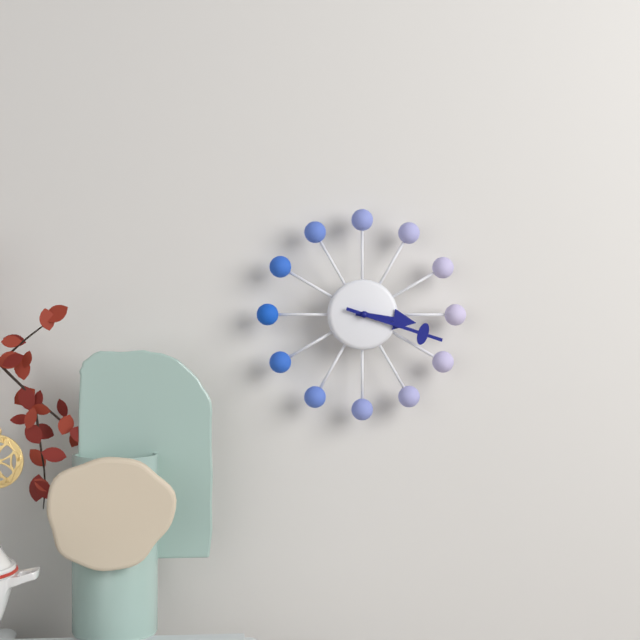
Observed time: 3:18
